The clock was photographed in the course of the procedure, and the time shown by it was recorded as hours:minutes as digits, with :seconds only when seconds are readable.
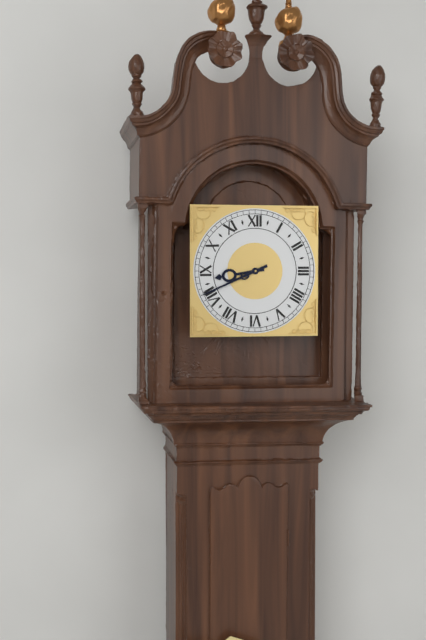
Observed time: 8:41
